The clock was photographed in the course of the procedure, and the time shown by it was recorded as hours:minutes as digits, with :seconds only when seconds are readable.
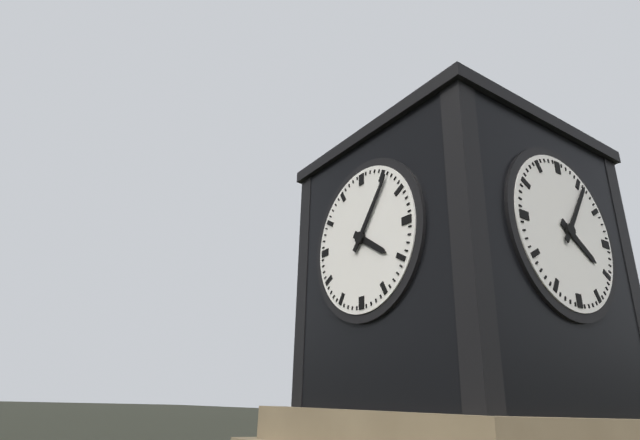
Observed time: 4:06
